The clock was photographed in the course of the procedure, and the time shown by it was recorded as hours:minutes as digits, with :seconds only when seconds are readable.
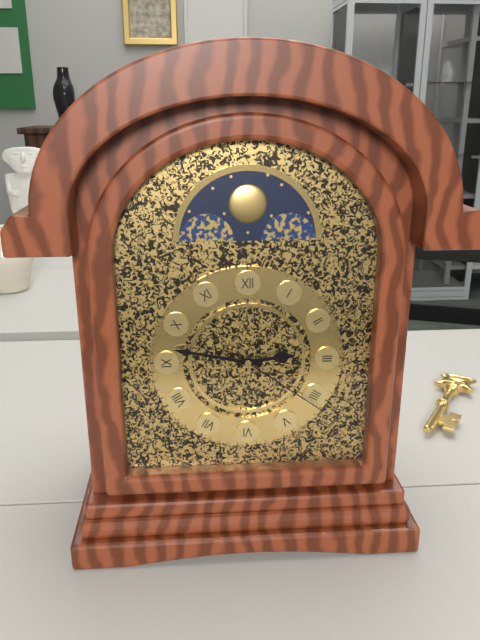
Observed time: 2:47:21
